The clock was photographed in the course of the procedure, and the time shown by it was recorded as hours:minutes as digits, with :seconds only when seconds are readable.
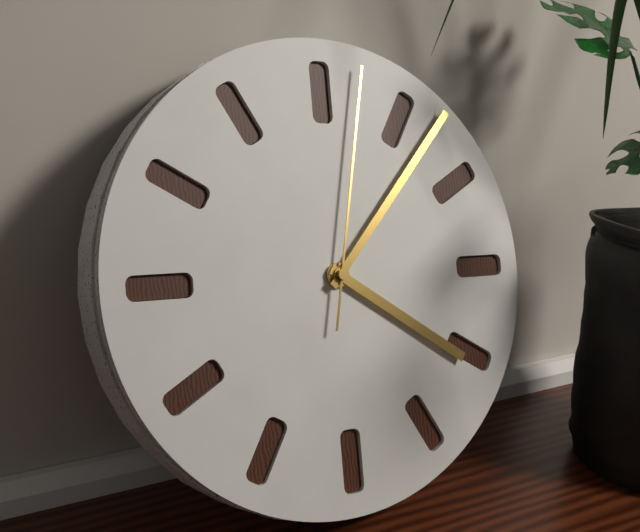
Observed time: 4:07:02
